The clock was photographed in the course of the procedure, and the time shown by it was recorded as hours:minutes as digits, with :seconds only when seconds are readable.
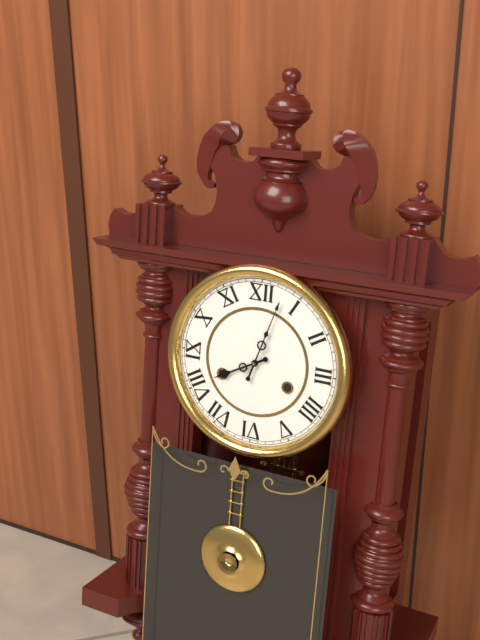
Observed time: 8:03
